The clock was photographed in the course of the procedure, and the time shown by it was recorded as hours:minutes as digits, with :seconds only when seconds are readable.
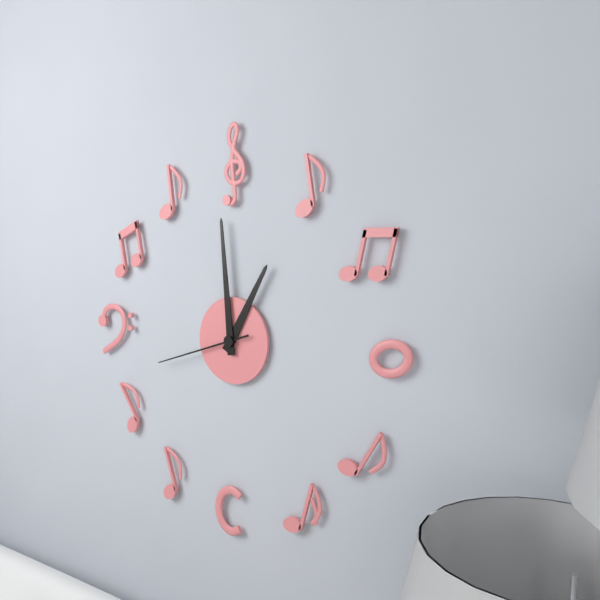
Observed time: 12:59:42
